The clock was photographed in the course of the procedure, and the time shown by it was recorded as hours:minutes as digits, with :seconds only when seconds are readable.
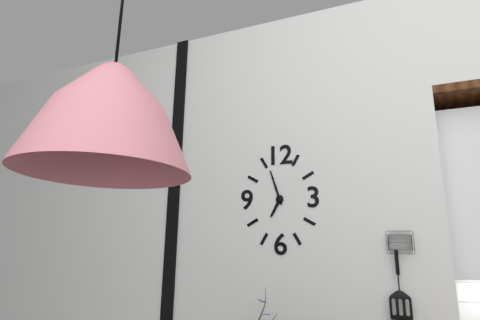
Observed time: 6:57
